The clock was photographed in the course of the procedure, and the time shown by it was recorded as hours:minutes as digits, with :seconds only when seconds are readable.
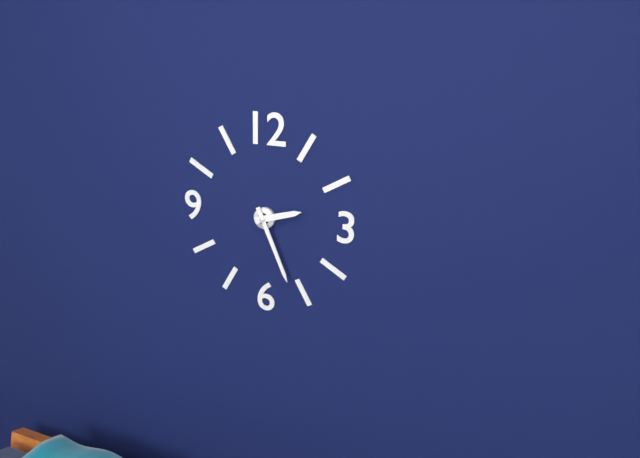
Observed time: 2:26
